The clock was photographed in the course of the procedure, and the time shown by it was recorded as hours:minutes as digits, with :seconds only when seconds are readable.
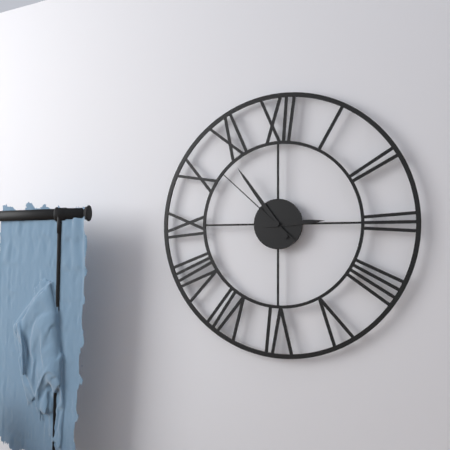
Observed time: 2:54:52
